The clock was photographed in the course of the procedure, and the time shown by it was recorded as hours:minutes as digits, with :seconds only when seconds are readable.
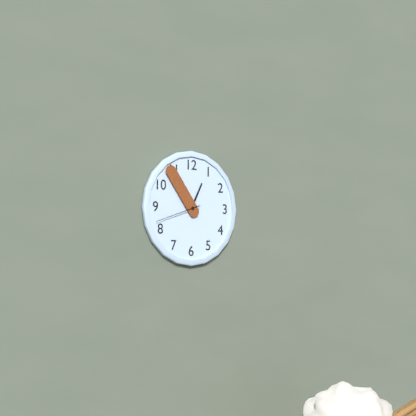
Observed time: 12:54
